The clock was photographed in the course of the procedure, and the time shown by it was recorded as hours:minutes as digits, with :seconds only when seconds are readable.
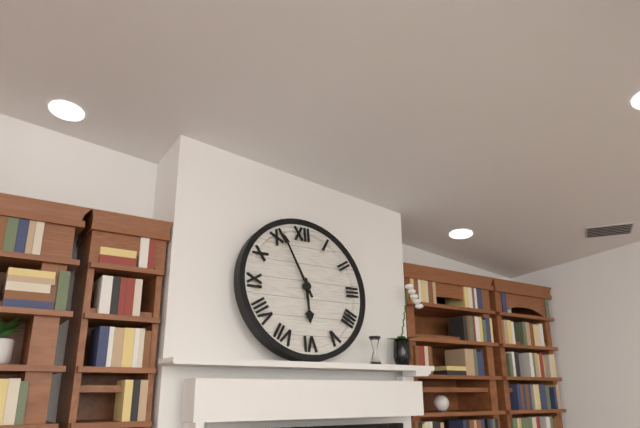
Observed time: 5:56
